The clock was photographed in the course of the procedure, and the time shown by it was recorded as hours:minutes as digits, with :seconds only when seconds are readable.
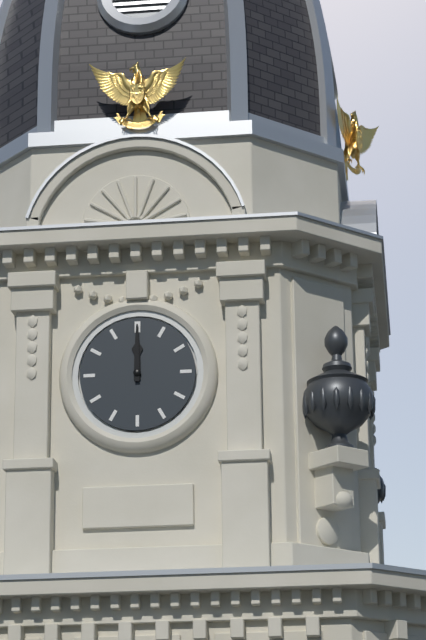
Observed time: 12:00
